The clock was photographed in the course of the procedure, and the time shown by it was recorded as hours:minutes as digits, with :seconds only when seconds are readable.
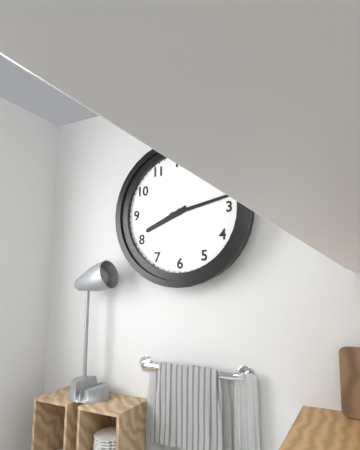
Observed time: 8:13
